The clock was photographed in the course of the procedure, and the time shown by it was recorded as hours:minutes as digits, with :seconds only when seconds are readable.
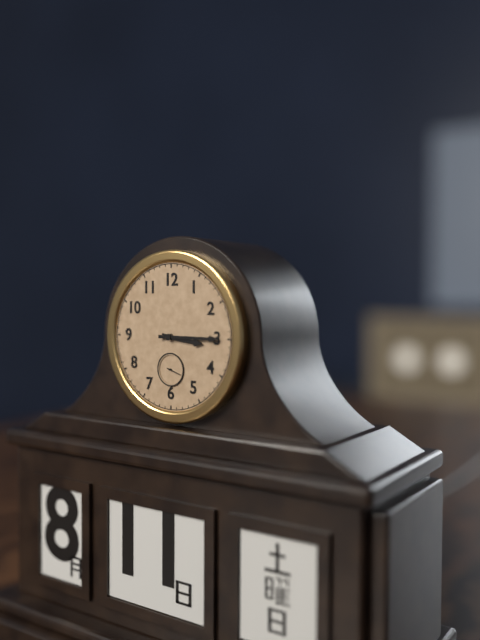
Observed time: 3:15
